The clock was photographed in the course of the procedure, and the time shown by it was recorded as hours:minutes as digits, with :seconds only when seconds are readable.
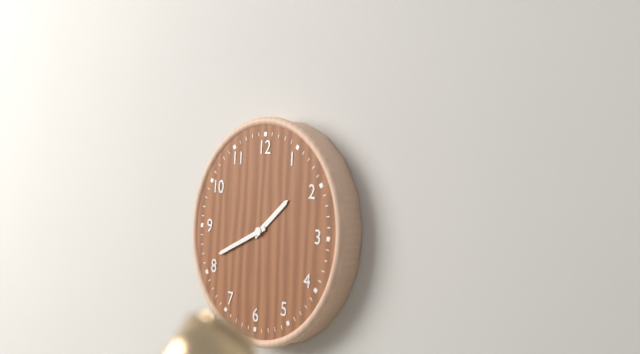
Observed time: 1:41
